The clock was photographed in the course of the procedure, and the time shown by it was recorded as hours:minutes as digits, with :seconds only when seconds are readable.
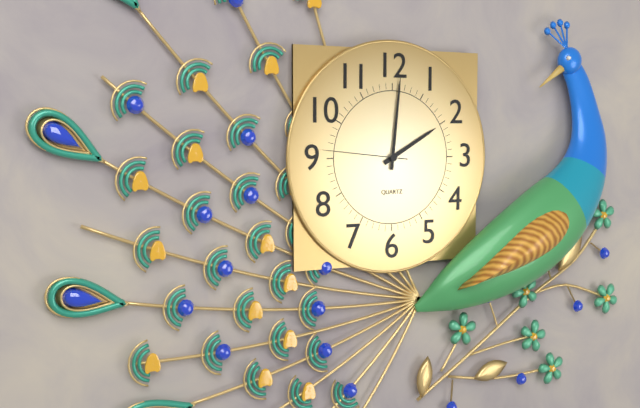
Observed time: 2:01:46
